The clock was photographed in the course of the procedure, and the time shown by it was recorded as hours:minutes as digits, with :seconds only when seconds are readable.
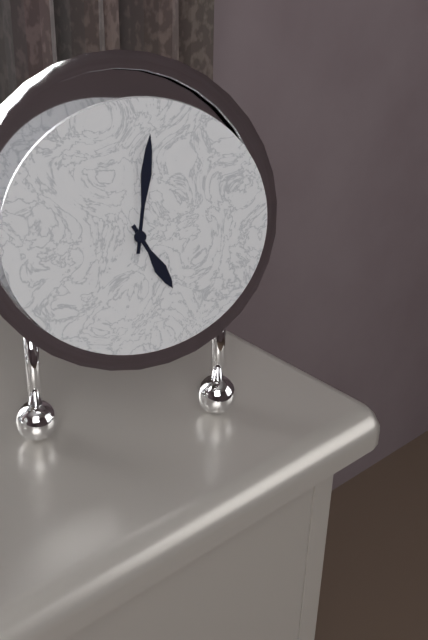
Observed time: 5:01
